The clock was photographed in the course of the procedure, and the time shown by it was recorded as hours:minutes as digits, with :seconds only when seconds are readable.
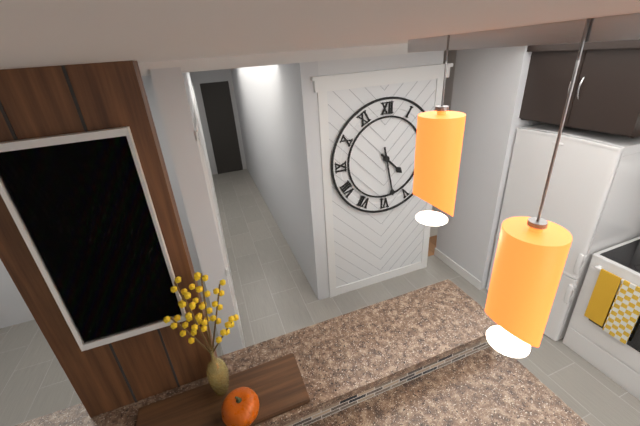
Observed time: 4:28
